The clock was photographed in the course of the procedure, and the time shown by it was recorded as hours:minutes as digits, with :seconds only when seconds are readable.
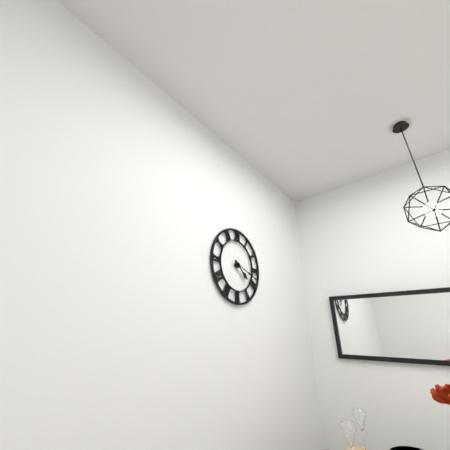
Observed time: 4:18
